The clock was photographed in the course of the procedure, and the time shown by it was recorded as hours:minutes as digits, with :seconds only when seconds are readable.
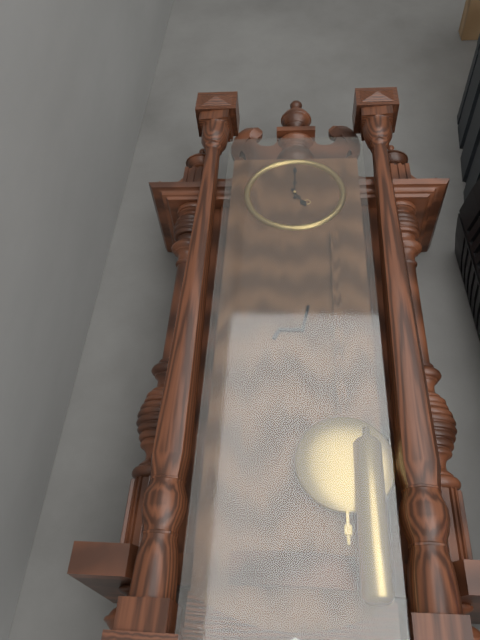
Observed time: 5:00
